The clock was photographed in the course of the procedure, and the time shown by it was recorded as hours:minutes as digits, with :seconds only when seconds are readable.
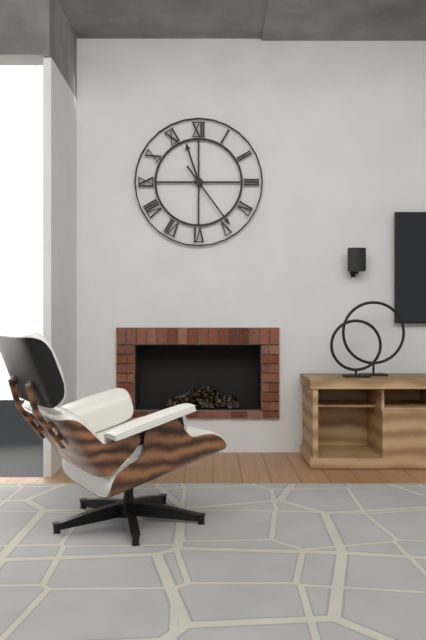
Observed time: 11:24
